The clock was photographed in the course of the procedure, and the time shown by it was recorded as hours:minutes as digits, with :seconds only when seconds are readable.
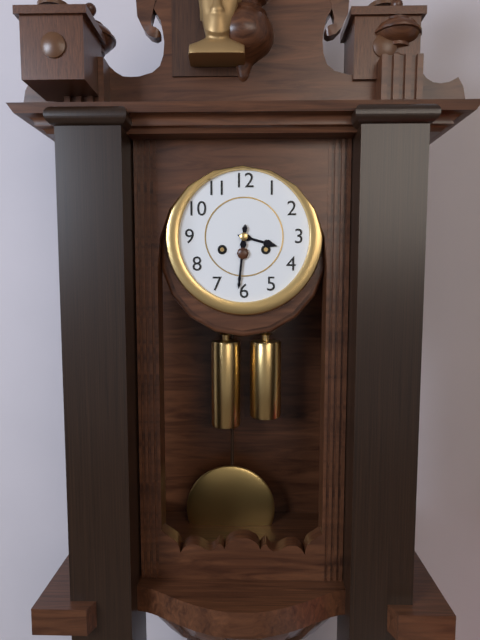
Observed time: 3:31
